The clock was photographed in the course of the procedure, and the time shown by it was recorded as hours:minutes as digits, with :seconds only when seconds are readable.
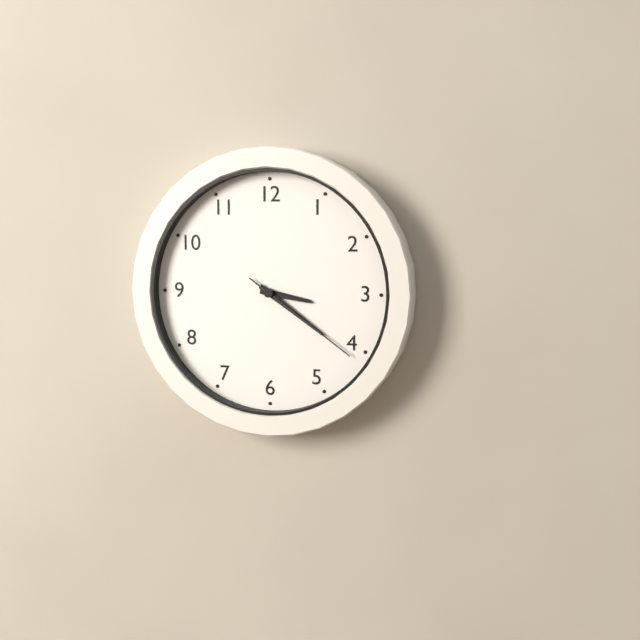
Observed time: 3:21:21
